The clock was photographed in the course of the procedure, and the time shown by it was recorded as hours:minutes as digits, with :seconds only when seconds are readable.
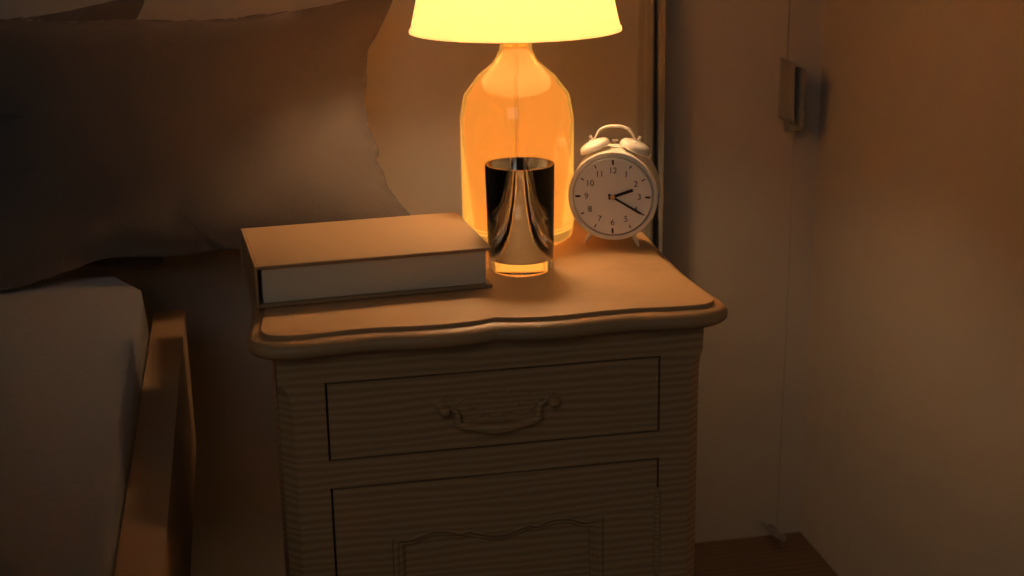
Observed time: 2:20
